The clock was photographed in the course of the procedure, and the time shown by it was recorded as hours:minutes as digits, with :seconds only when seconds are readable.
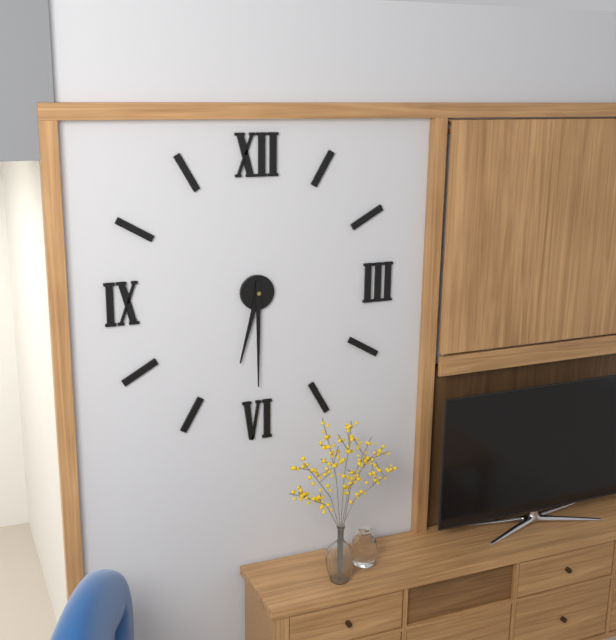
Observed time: 6:30
